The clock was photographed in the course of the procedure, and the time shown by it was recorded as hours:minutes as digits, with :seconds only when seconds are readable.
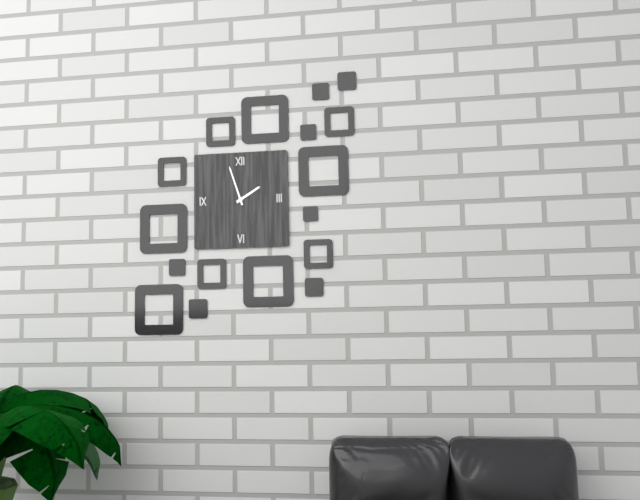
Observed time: 1:57
